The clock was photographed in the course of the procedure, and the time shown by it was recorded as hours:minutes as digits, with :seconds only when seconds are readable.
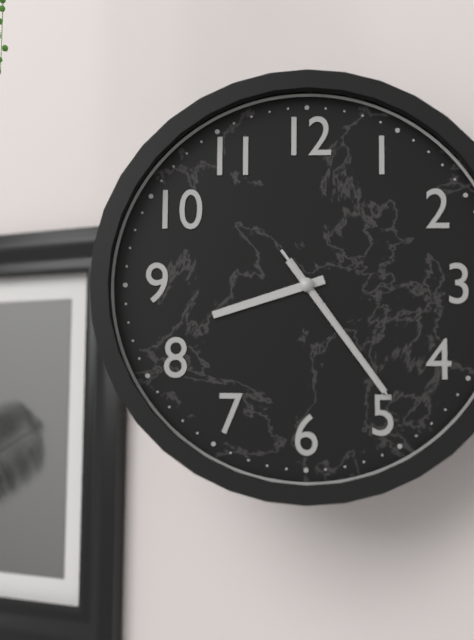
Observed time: 8:24:24
